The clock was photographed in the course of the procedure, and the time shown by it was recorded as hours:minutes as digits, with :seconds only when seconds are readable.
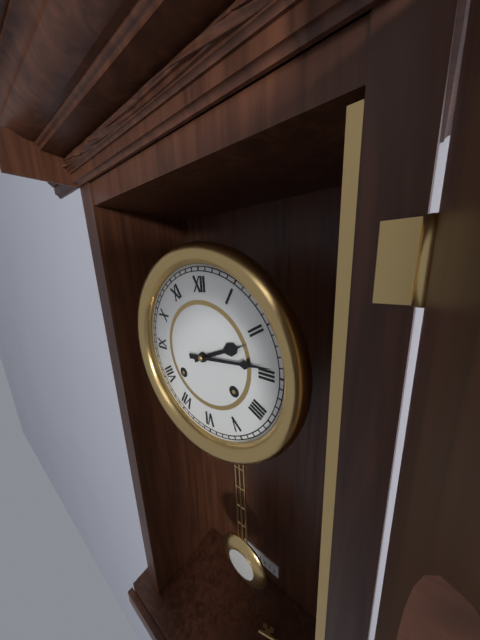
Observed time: 2:14
